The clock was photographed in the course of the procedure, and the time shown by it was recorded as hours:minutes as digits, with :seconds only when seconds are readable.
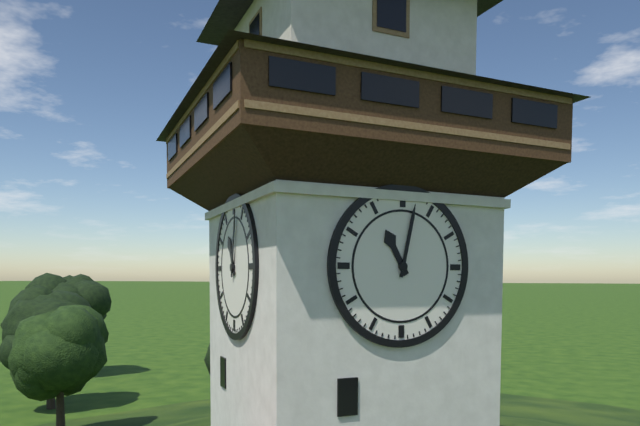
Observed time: 11:02
